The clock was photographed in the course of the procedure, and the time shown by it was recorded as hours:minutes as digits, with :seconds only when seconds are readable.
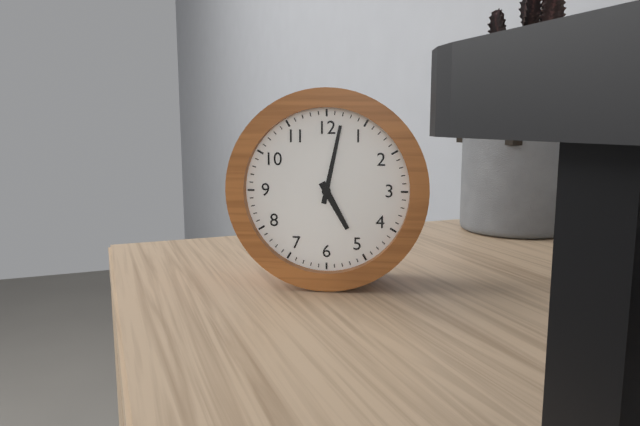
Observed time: 5:02
